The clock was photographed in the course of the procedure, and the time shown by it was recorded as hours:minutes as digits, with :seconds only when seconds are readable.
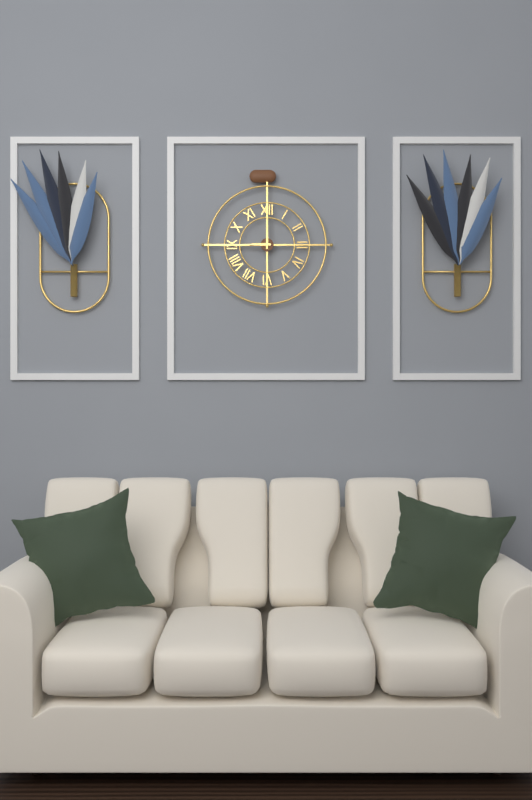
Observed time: 9:00
